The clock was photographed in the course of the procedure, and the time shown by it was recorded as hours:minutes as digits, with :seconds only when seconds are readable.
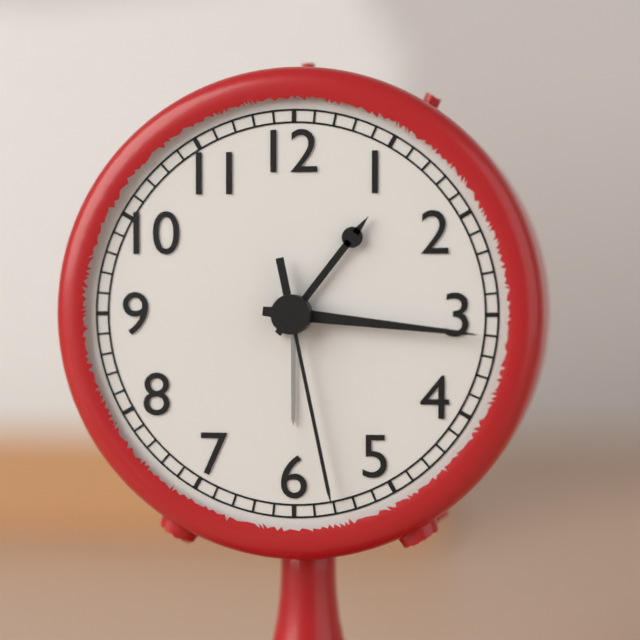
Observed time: 1:16:28
